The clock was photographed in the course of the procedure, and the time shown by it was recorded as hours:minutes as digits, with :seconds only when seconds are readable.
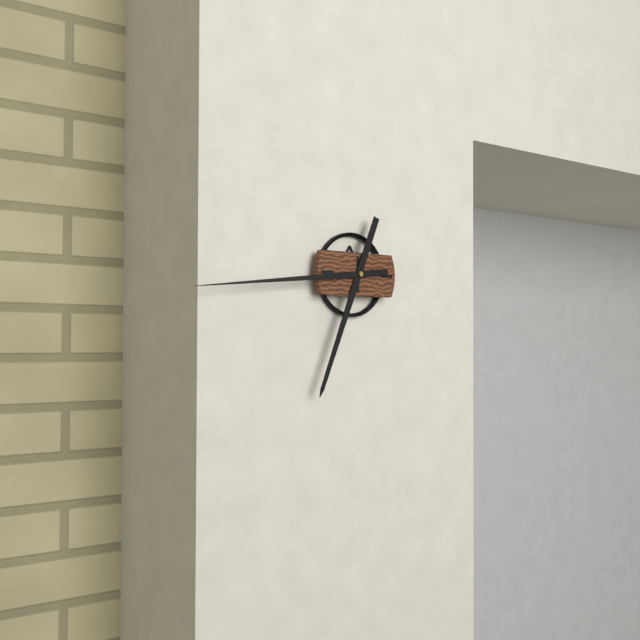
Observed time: 6:44
